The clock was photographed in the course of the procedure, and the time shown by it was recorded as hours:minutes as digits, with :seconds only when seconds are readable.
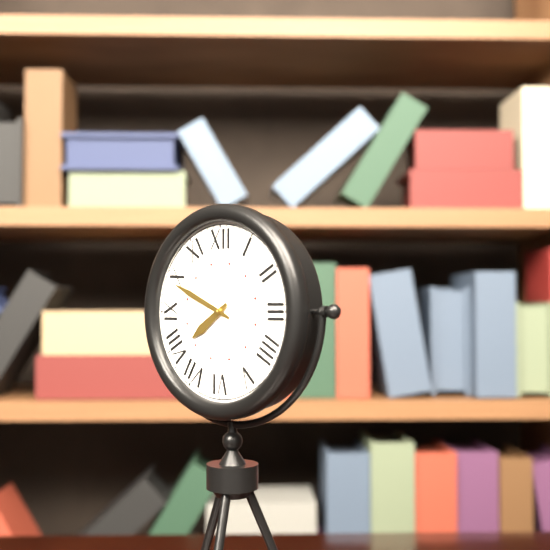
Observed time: 7:49
